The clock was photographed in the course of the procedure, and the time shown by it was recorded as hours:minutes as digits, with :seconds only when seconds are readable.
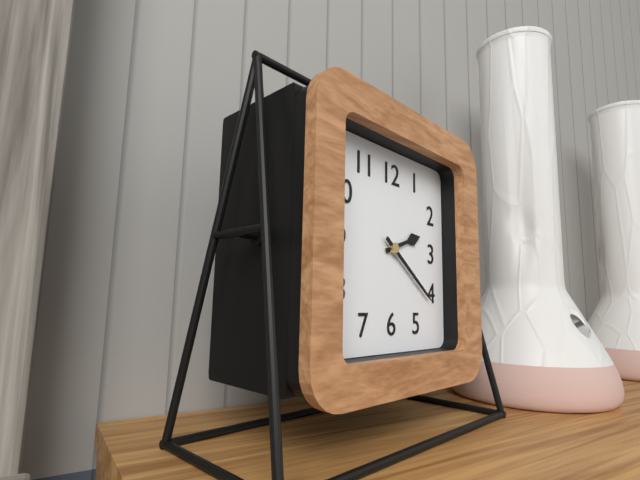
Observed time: 2:21
